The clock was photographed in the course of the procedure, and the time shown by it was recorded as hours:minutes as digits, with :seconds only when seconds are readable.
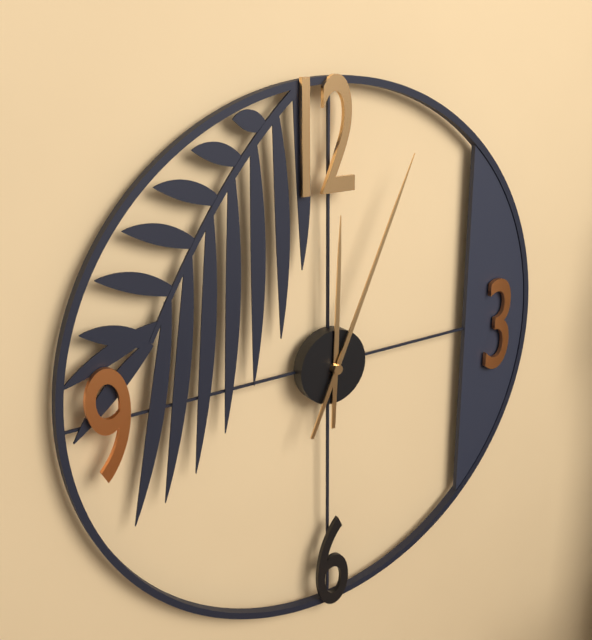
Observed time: 12:04
